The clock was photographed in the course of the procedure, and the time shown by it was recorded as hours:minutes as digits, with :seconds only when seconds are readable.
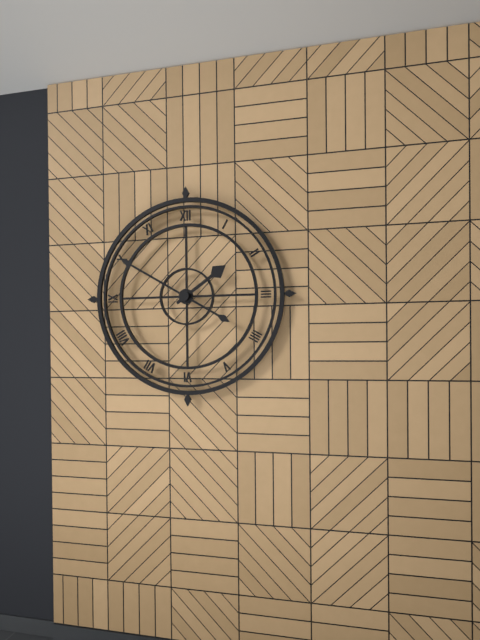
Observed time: 1:50
